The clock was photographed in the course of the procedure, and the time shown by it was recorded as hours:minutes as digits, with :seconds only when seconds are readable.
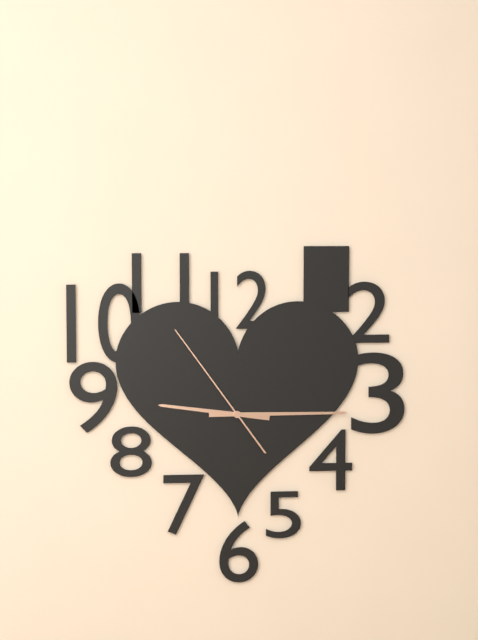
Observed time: 9:15:54
